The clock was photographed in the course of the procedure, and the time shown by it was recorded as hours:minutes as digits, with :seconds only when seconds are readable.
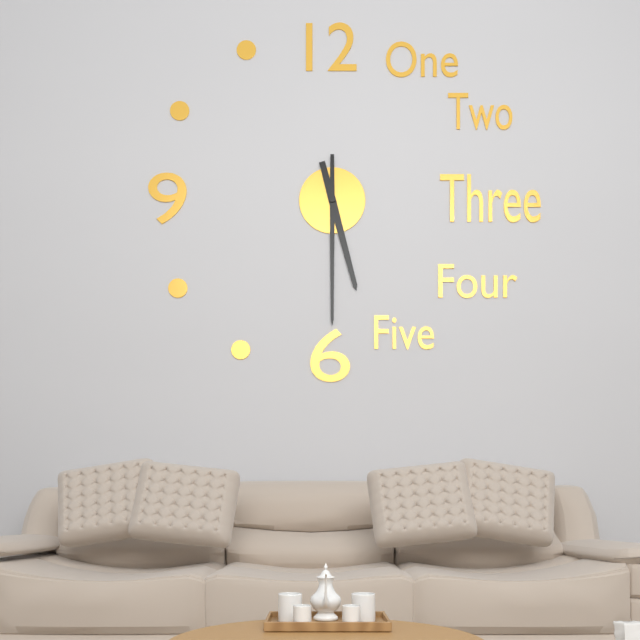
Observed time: 5:30
